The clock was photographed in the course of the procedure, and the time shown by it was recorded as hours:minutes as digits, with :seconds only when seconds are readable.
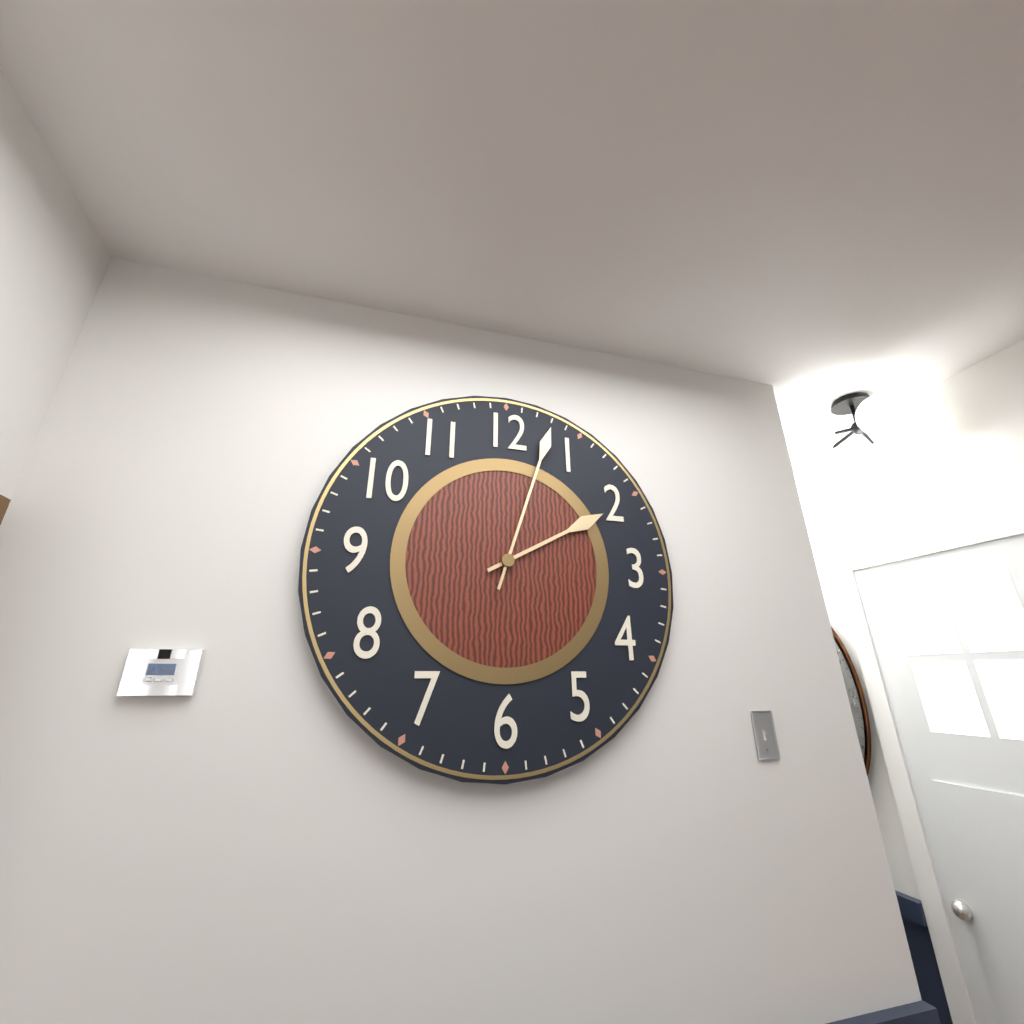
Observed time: 2:03
